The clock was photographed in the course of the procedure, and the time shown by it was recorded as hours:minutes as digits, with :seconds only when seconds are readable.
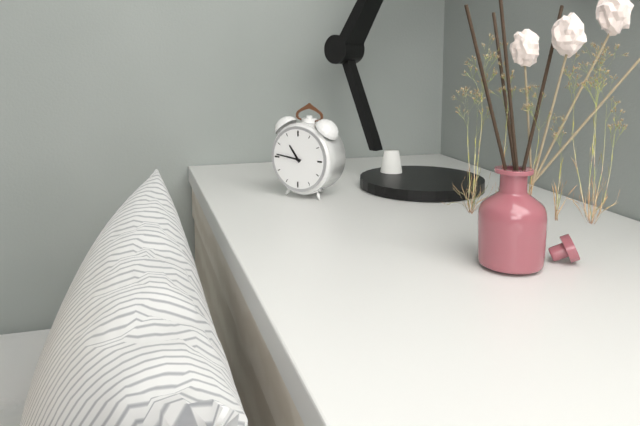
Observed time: 10:46
